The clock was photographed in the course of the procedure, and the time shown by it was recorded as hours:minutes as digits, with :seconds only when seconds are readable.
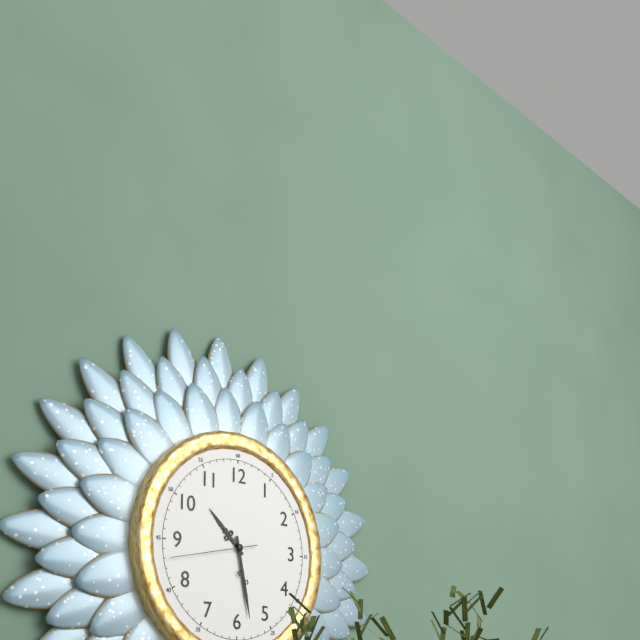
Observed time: 10:28:43
